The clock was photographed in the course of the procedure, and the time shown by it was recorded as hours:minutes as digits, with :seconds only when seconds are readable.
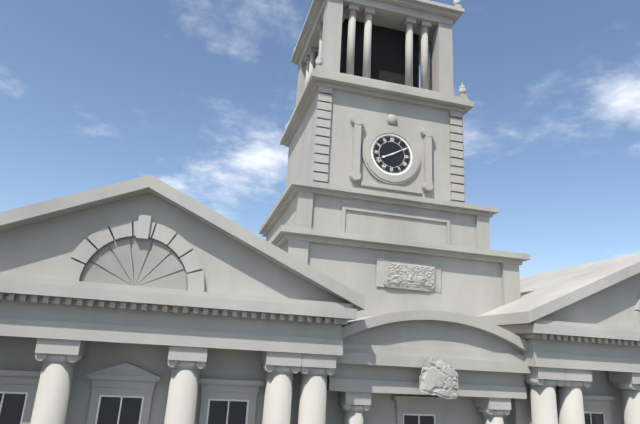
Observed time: 8:10
